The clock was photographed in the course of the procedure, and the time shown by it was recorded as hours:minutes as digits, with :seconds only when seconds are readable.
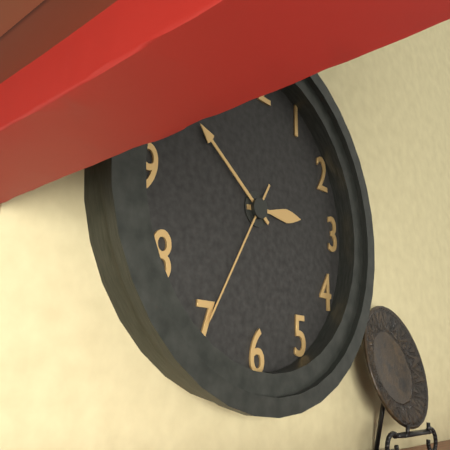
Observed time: 2:51:35
